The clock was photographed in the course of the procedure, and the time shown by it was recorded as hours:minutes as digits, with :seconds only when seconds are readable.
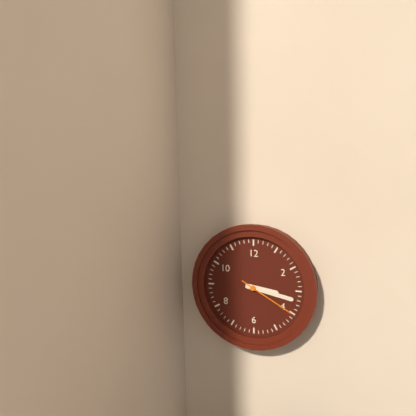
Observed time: 3:17:20
